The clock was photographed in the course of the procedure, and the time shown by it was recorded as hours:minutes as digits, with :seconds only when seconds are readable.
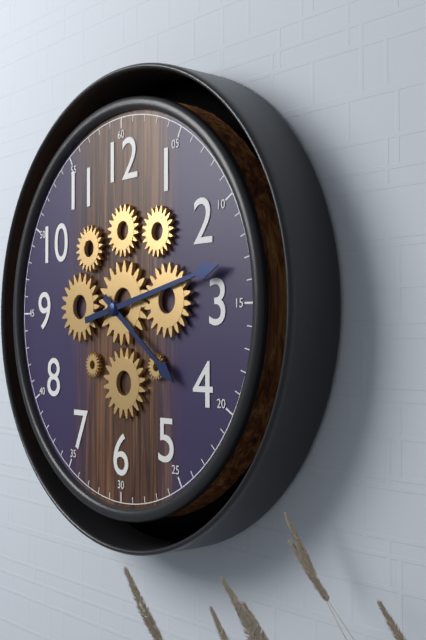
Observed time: 4:13
